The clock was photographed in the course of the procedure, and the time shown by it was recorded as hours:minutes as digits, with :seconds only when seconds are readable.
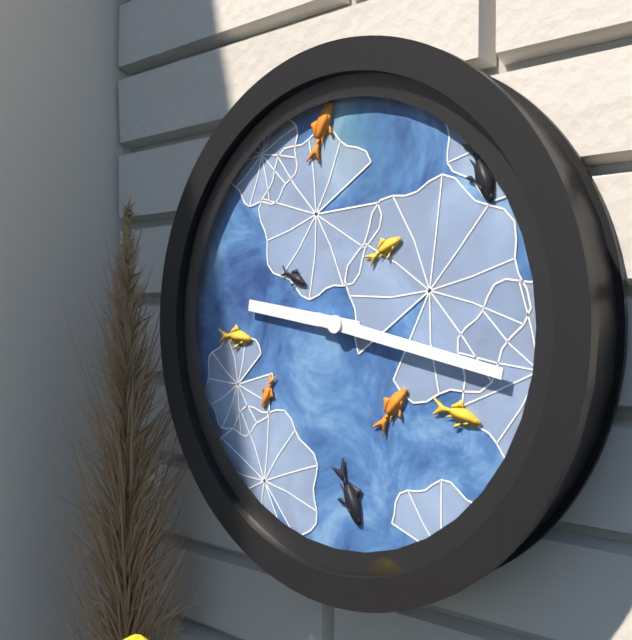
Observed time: 9:17
